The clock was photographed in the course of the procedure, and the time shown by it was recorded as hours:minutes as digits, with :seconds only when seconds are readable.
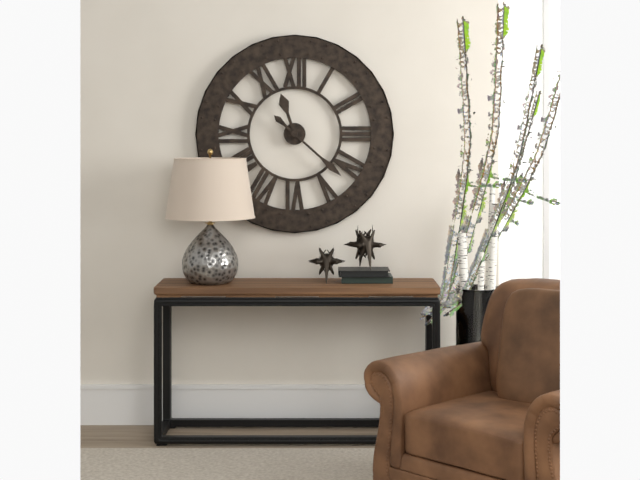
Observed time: 11:22
